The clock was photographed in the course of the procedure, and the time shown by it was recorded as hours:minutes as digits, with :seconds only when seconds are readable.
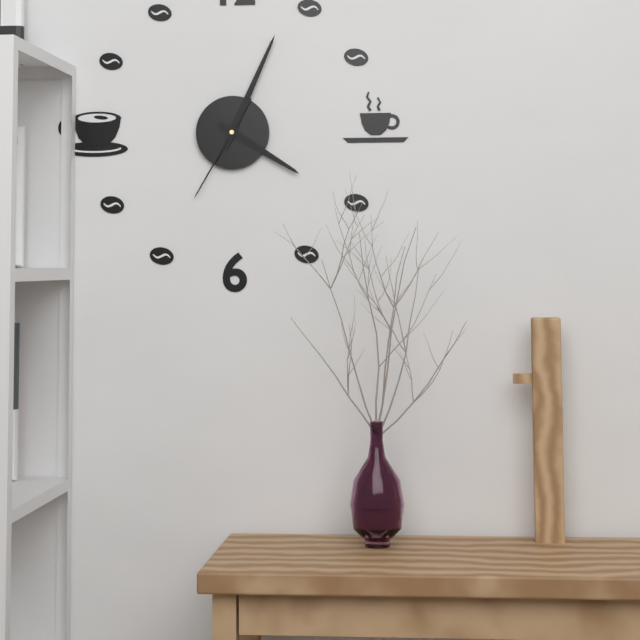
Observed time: 4:04:35
